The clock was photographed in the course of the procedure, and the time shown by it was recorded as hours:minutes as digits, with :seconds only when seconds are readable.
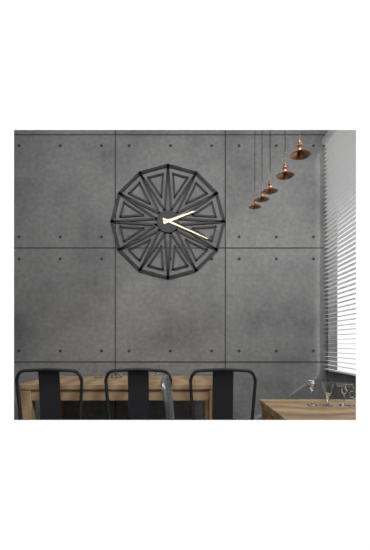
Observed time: 2:19
